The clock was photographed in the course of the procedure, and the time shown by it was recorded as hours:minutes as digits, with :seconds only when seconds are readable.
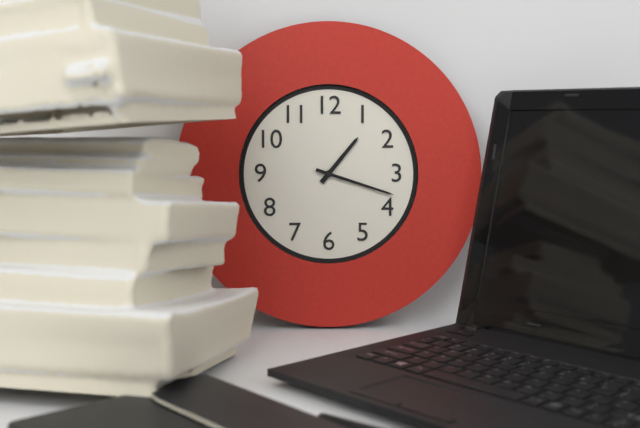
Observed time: 1:18
